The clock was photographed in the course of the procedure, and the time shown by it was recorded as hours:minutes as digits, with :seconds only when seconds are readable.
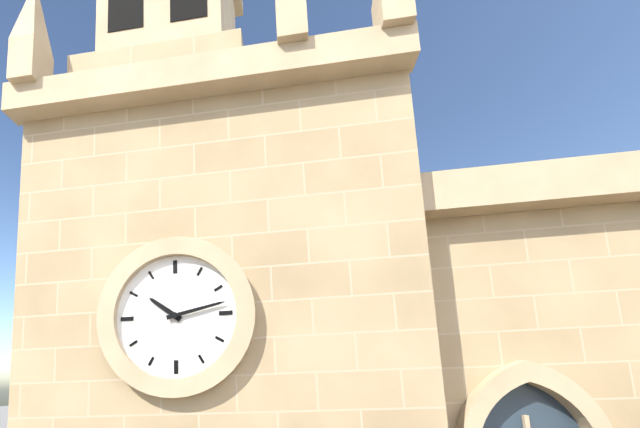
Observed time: 10:13
